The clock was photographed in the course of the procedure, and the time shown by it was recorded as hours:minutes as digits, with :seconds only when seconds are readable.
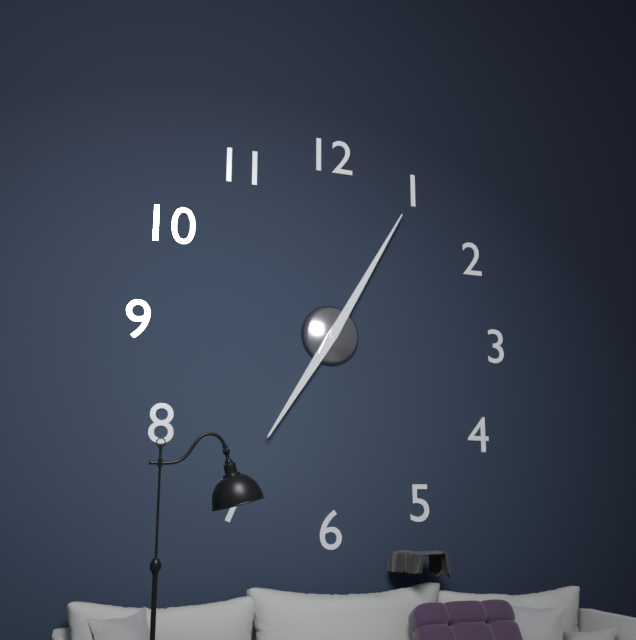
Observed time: 7:05
